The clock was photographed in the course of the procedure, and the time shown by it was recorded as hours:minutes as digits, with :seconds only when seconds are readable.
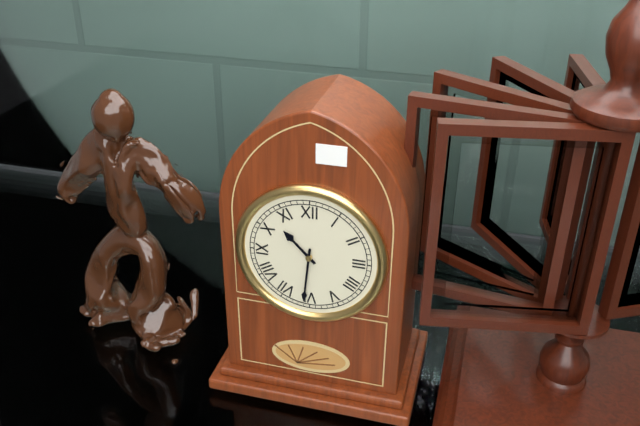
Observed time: 10:31
